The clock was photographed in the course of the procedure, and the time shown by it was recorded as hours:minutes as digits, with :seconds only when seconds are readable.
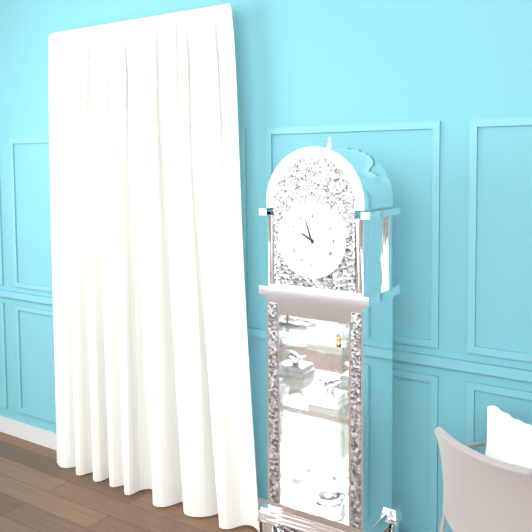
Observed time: 9:57
